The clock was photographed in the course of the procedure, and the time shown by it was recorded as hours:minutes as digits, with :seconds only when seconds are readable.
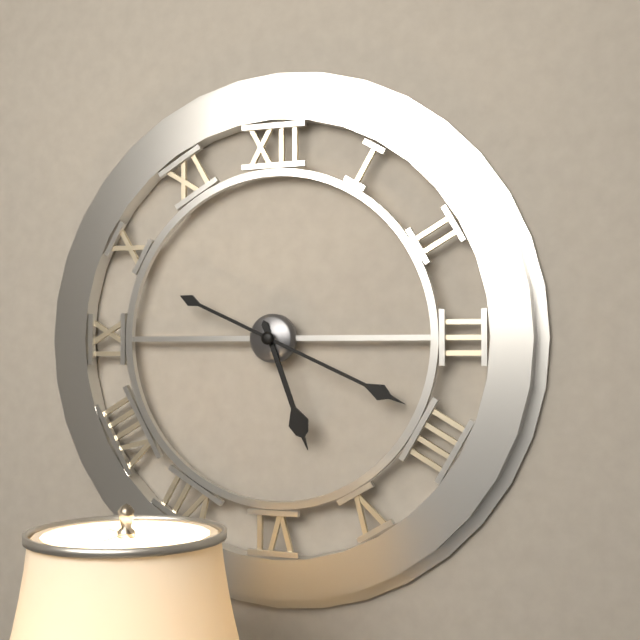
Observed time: 5:19
